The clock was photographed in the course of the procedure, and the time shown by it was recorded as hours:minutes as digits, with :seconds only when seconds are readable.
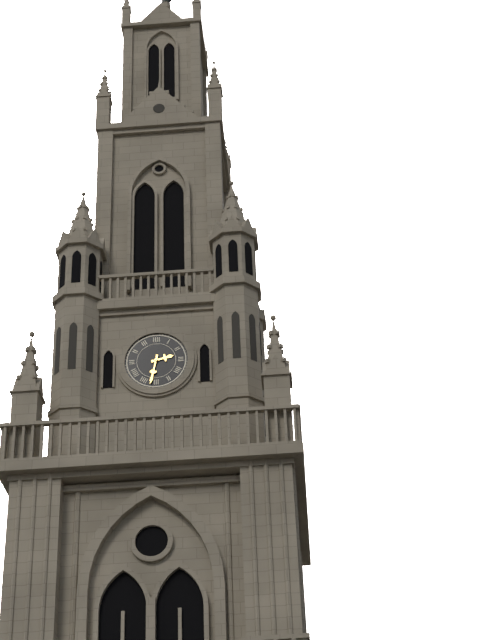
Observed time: 2:32
